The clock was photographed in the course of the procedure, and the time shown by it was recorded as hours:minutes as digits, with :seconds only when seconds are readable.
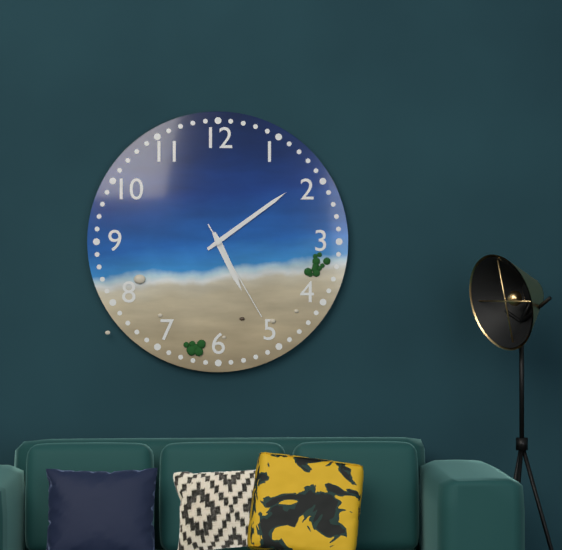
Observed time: 5:09:25
